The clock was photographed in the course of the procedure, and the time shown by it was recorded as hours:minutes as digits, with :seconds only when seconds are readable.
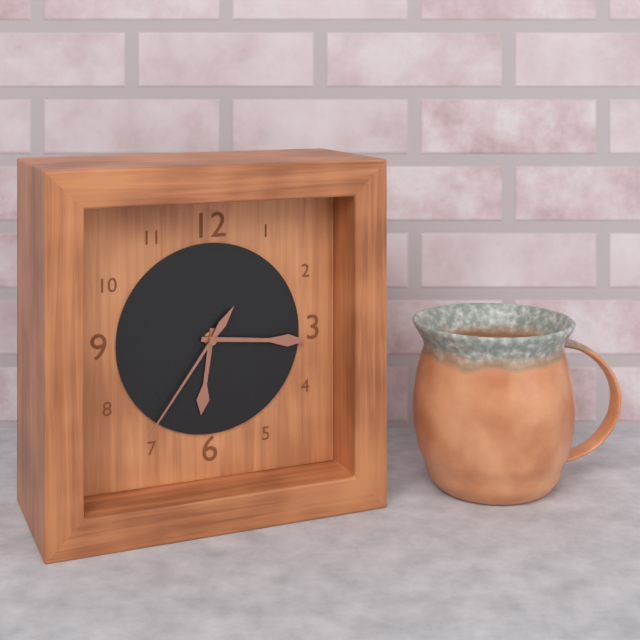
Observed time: 6:16:36
